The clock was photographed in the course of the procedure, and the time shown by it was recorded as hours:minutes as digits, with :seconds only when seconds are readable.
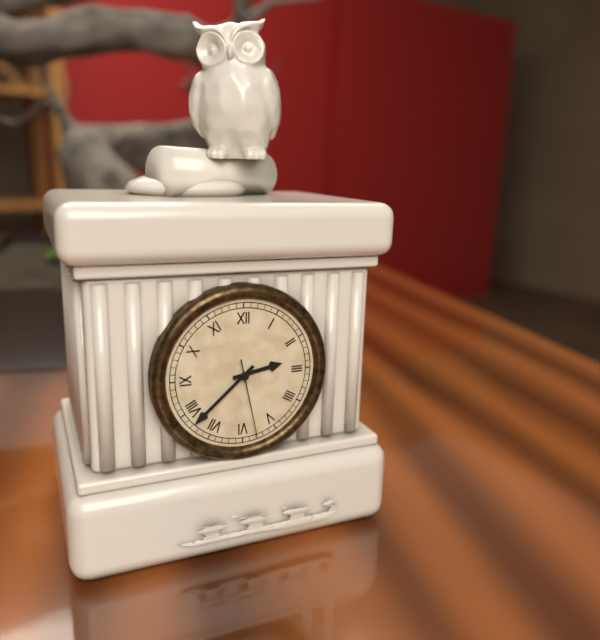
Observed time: 2:38:28
